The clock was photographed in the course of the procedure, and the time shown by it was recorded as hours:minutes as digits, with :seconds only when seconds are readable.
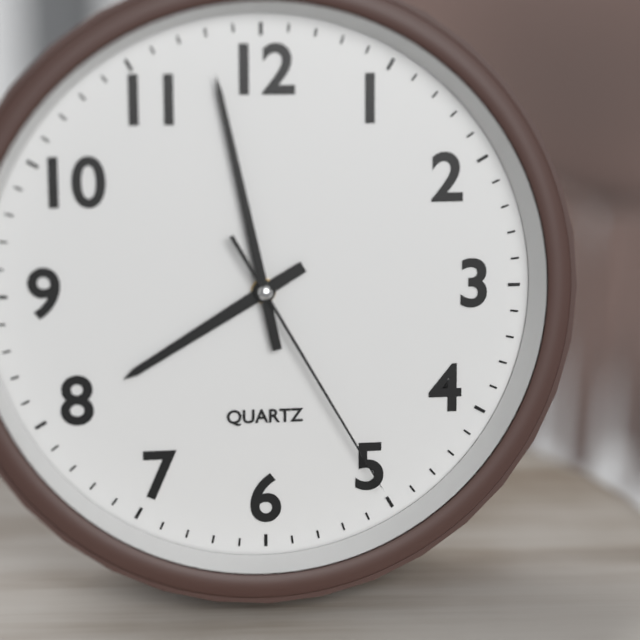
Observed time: 7:58:25
